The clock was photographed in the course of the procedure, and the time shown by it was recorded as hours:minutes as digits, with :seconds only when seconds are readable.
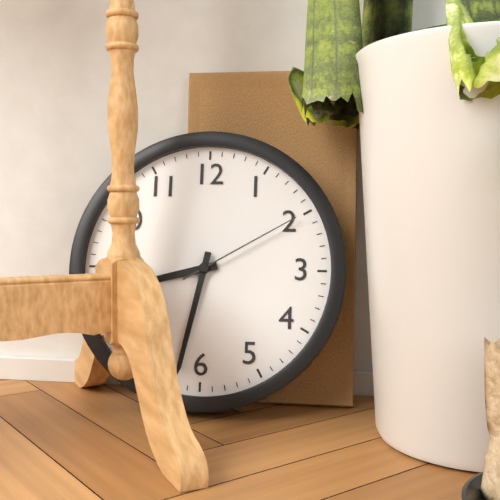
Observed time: 8:32:10
